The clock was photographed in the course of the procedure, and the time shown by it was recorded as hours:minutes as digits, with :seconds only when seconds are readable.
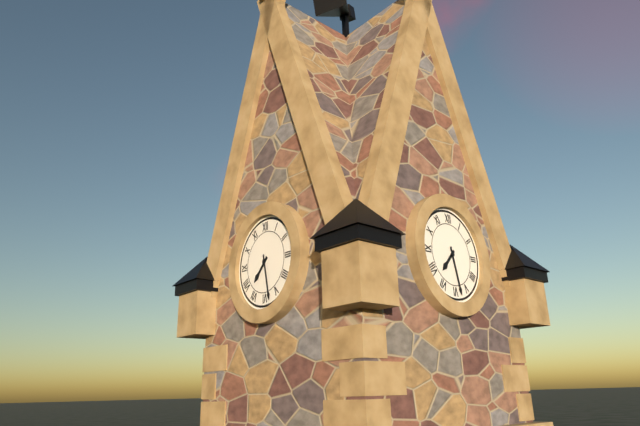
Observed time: 7:28
